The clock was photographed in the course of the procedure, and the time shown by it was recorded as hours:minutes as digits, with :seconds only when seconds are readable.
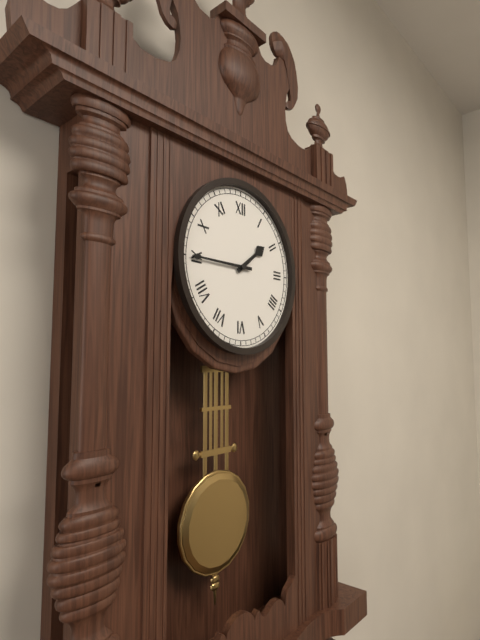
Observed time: 1:45
